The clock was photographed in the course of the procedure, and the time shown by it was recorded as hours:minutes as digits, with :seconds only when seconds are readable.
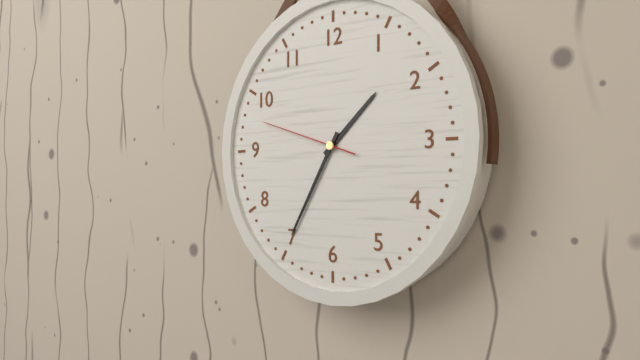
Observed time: 1:35:48
